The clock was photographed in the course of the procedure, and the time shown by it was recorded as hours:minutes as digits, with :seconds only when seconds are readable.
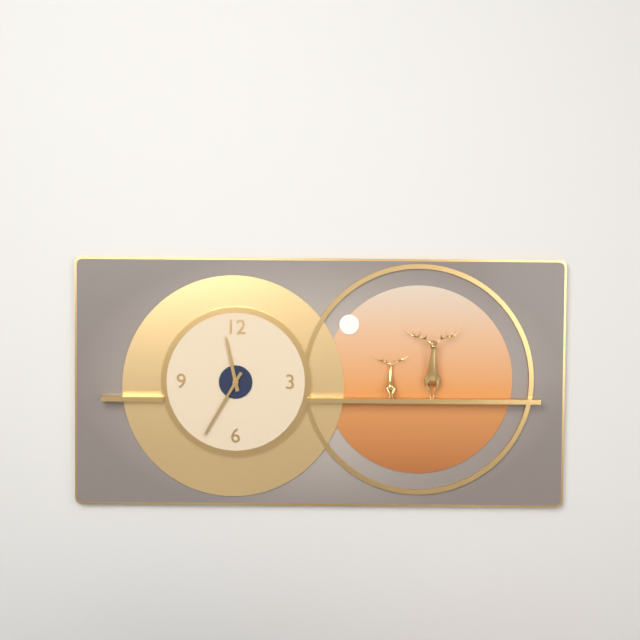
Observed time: 11:35
